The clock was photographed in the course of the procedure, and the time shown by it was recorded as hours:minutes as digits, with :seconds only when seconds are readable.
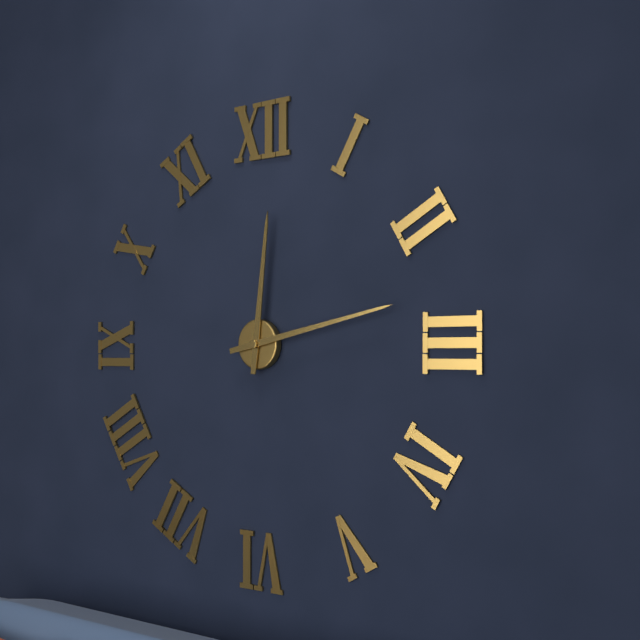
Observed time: 12:13
